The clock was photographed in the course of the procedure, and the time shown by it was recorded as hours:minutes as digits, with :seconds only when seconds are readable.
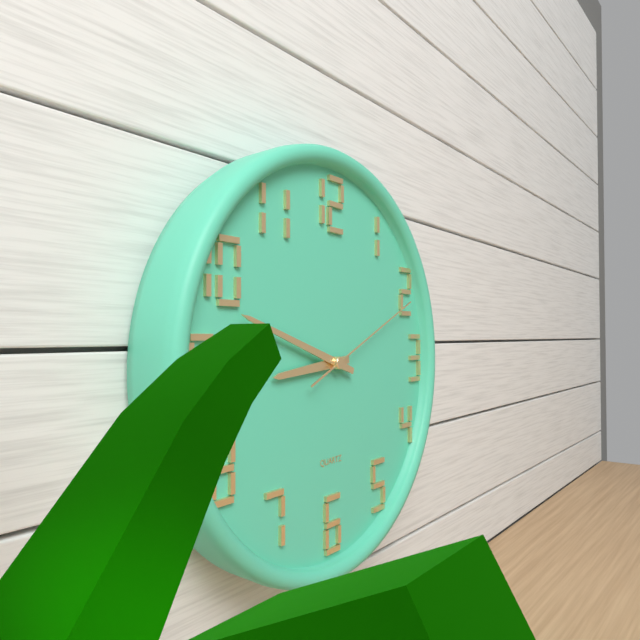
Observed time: 8:48:11
